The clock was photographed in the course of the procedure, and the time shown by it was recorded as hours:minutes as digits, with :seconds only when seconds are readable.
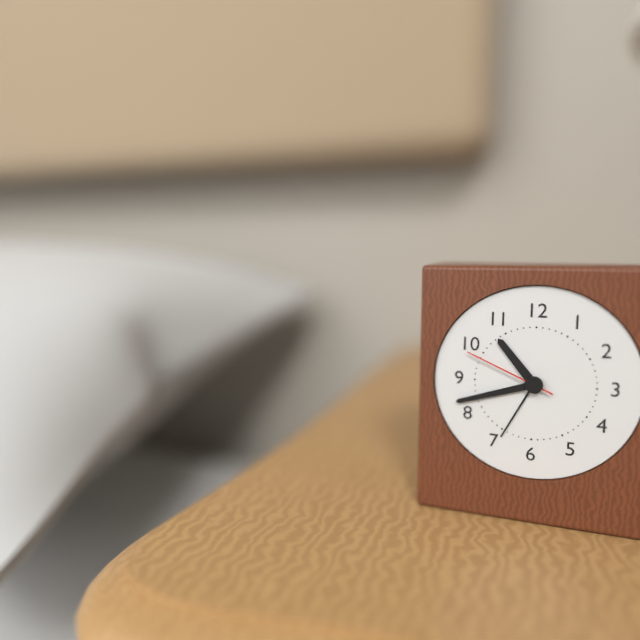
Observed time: 10:42:49
